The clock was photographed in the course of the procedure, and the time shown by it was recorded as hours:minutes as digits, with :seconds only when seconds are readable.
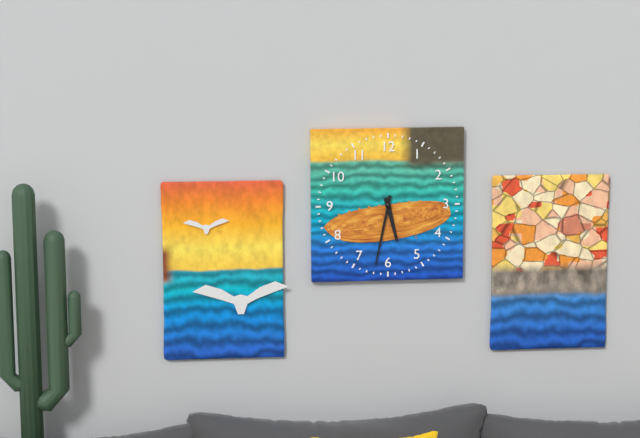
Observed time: 5:32
